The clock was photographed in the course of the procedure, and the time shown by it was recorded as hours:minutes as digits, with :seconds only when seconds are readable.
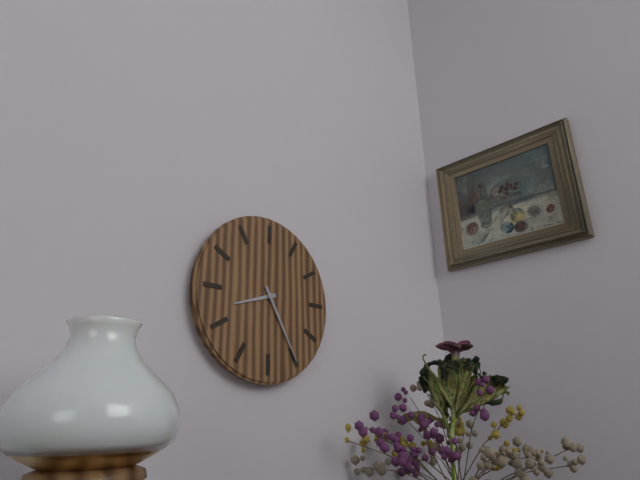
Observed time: 8:25
